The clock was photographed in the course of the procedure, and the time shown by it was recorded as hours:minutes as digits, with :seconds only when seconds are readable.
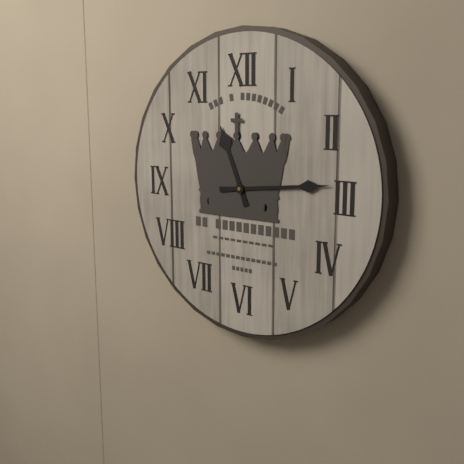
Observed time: 11:14
